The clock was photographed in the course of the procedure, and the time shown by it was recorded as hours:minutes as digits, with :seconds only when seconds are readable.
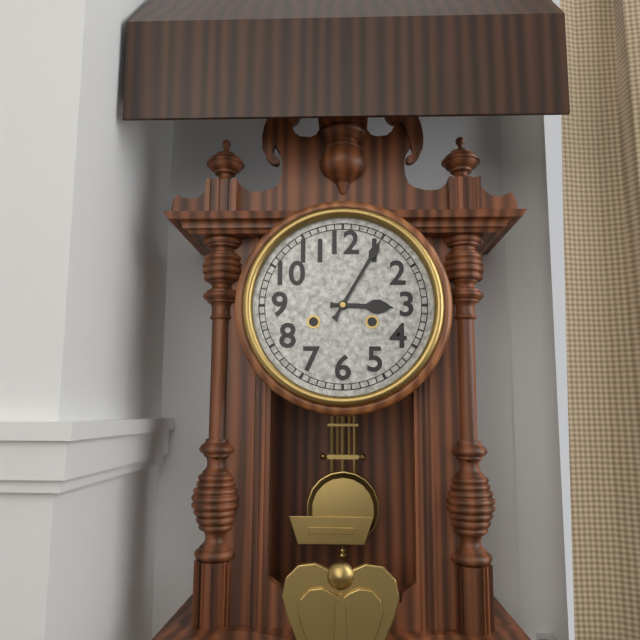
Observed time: 3:05
